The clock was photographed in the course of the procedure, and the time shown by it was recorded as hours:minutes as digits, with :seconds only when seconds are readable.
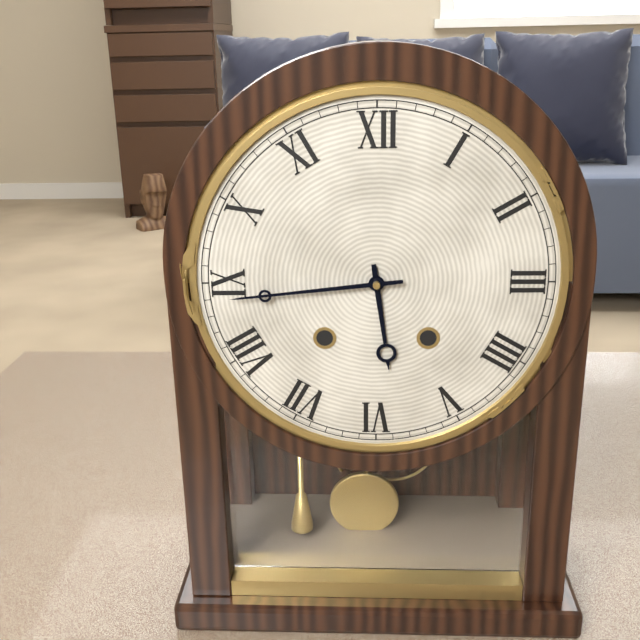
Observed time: 5:44
